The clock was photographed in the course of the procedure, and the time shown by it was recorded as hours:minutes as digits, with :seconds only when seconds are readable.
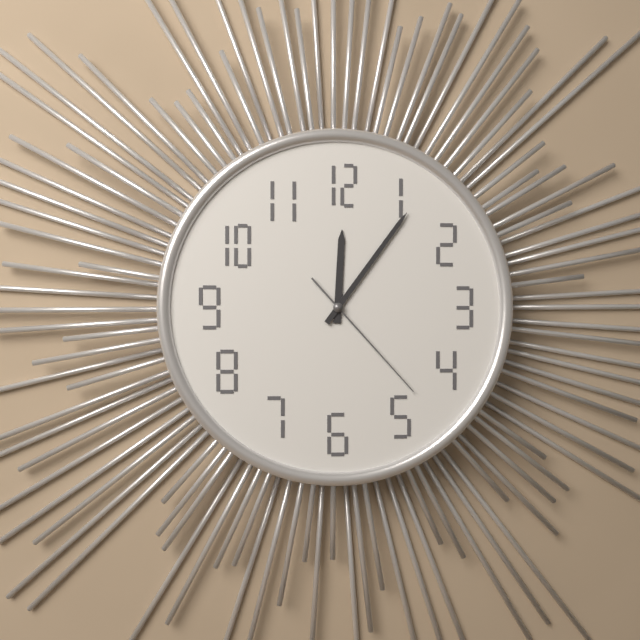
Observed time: 12:06:23
